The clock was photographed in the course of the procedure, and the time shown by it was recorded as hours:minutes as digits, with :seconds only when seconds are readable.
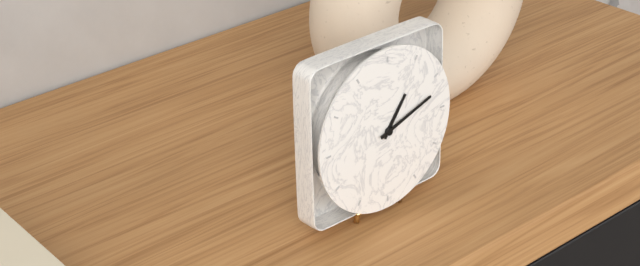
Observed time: 1:12
